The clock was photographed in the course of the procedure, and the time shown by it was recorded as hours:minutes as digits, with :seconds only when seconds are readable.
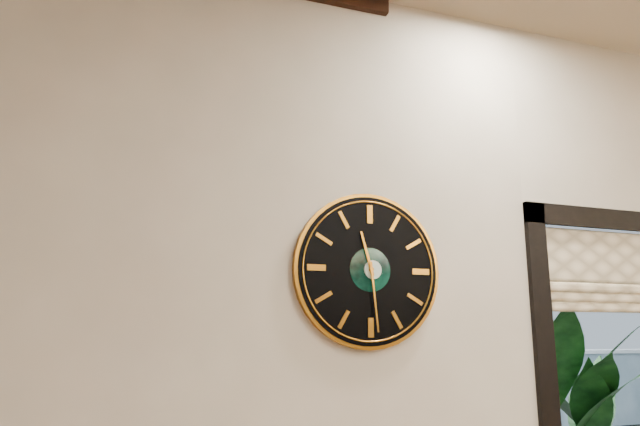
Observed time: 11:29
